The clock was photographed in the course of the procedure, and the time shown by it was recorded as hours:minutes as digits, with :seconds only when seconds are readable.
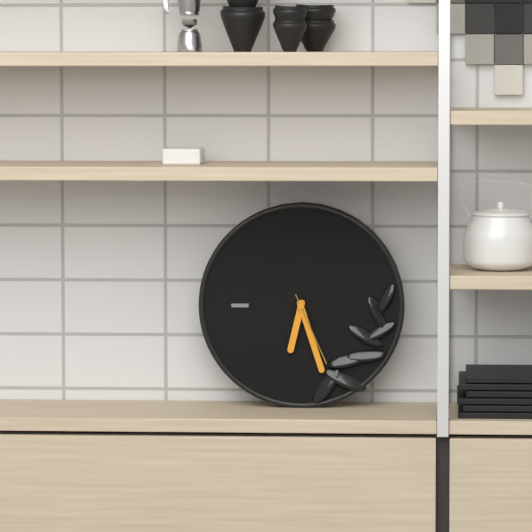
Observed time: 6:27:26
